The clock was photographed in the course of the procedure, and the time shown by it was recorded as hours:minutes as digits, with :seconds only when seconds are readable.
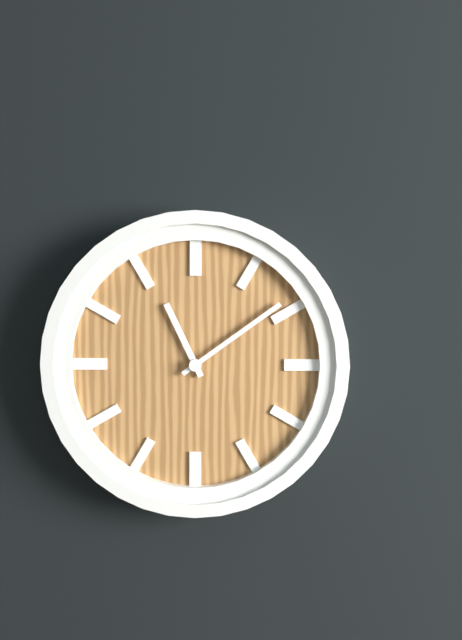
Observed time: 11:09
